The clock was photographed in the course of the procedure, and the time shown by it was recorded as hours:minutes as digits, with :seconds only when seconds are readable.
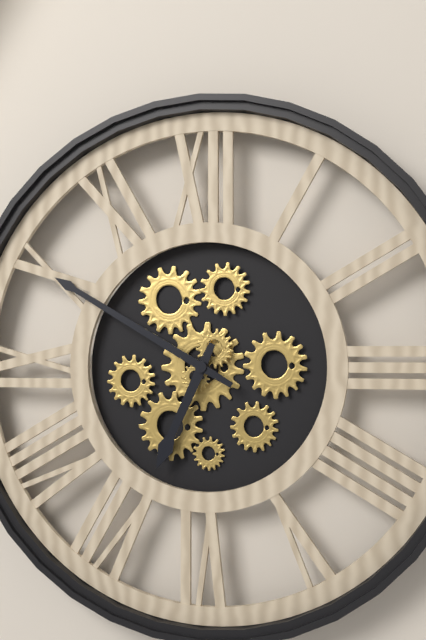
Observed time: 6:50
